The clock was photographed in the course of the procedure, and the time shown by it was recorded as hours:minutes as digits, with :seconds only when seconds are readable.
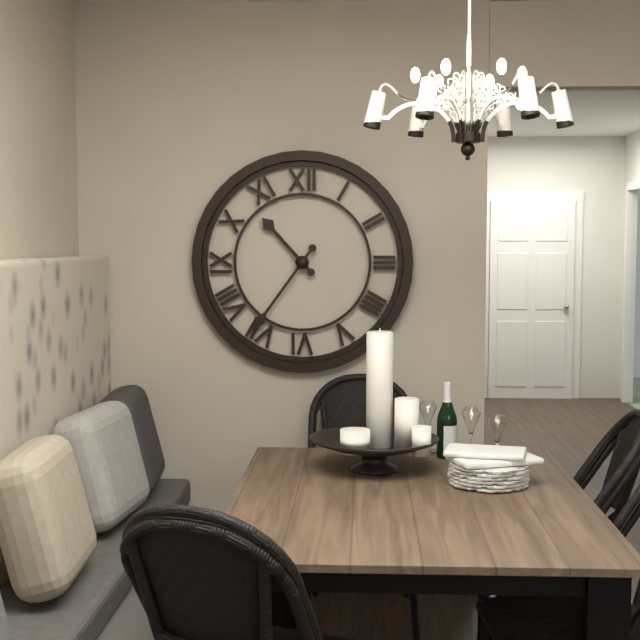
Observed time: 10:36
